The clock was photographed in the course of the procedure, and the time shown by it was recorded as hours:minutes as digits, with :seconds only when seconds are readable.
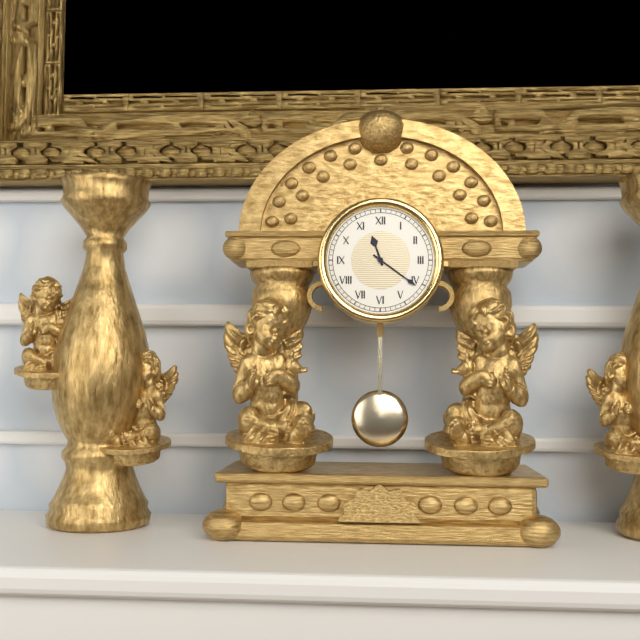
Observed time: 11:21
